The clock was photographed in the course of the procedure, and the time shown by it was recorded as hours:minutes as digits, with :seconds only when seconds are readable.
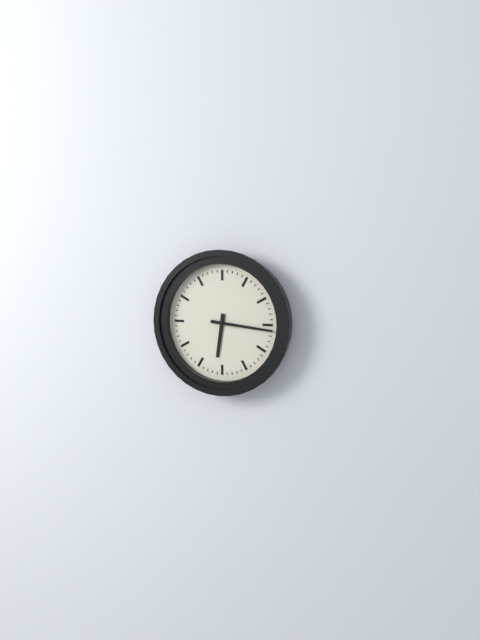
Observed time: 6:16
